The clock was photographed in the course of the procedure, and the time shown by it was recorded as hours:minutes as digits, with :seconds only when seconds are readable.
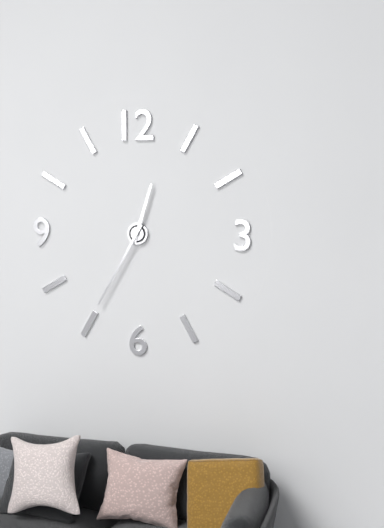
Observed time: 12:35
